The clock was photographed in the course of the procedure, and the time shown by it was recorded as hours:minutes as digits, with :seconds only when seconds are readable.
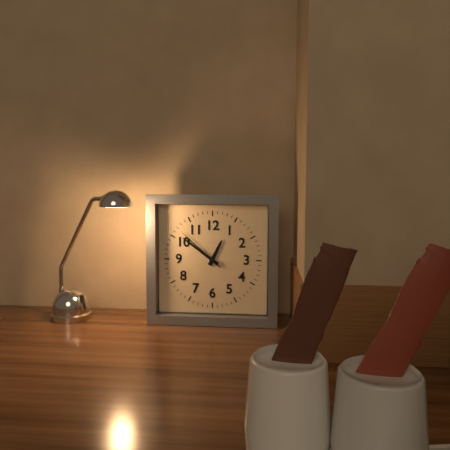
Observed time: 12:51:52
